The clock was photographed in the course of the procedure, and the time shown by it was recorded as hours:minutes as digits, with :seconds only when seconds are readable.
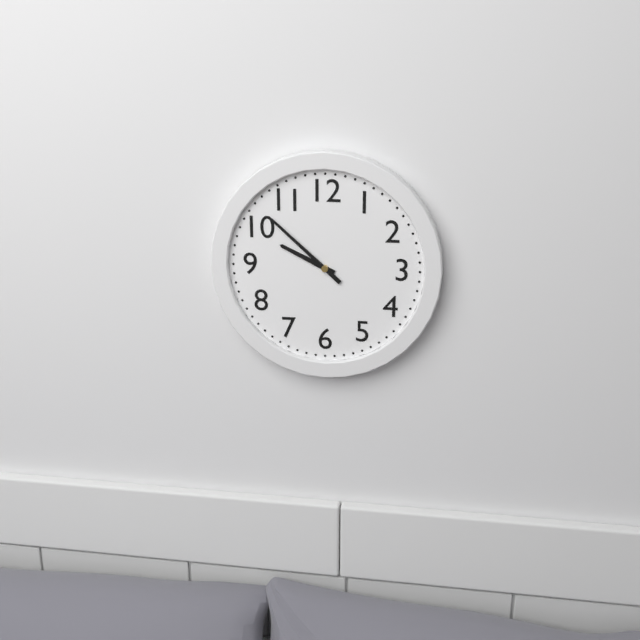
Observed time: 9:52
